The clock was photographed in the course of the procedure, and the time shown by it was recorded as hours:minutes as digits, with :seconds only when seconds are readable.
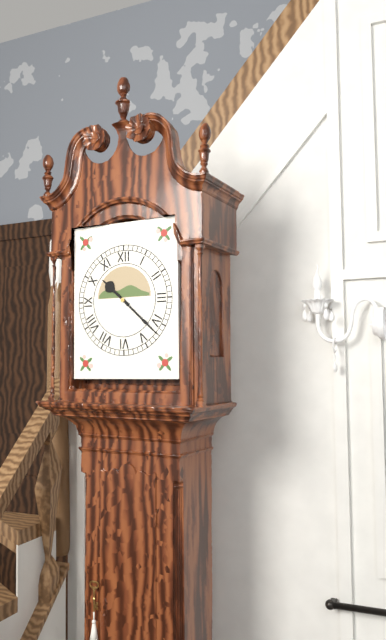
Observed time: 10:22
